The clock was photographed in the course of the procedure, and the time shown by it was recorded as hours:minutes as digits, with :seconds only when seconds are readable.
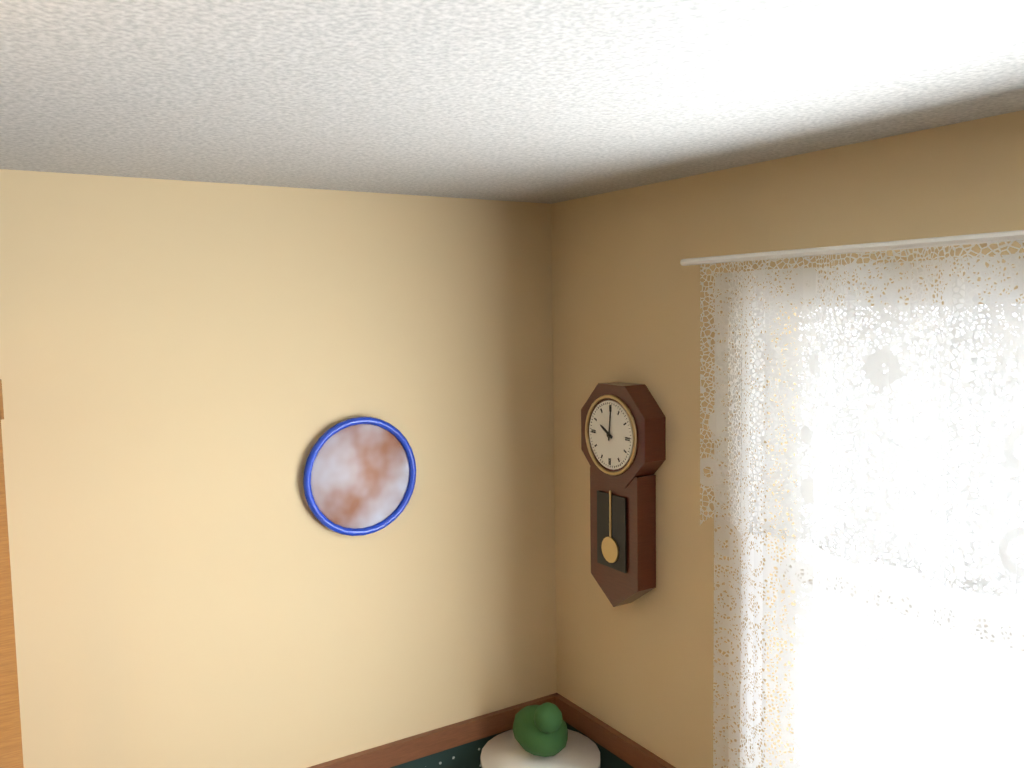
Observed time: 10:01
